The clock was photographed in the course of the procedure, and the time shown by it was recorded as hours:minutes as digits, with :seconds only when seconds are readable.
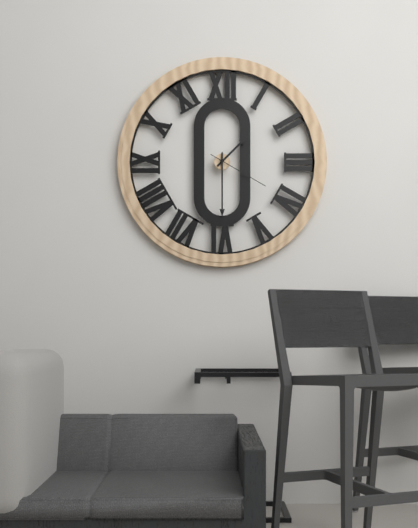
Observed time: 1:30:20
